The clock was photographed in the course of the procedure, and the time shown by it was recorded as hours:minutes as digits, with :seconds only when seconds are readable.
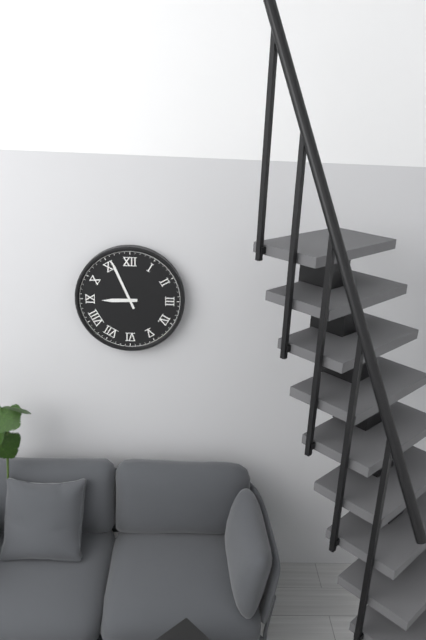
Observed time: 8:56
